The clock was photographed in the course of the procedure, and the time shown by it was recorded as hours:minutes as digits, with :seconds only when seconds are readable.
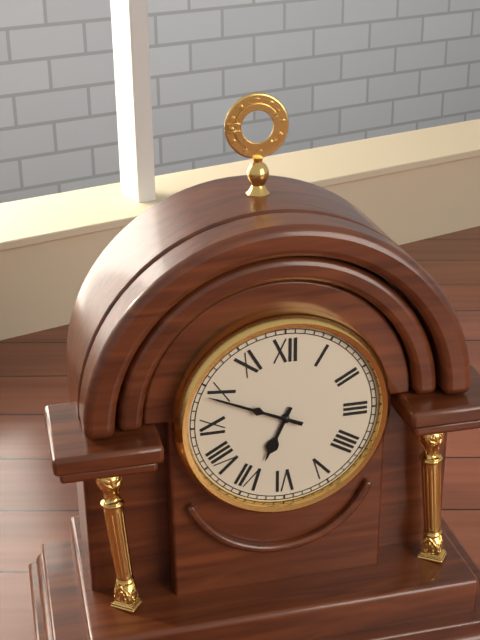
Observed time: 6:49
